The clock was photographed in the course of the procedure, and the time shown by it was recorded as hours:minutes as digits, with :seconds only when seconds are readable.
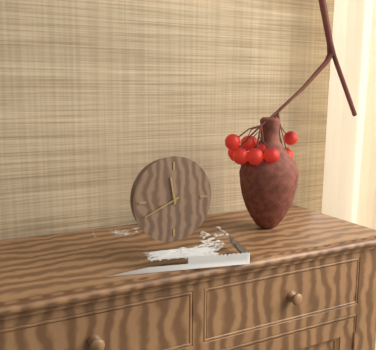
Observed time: 11:41
